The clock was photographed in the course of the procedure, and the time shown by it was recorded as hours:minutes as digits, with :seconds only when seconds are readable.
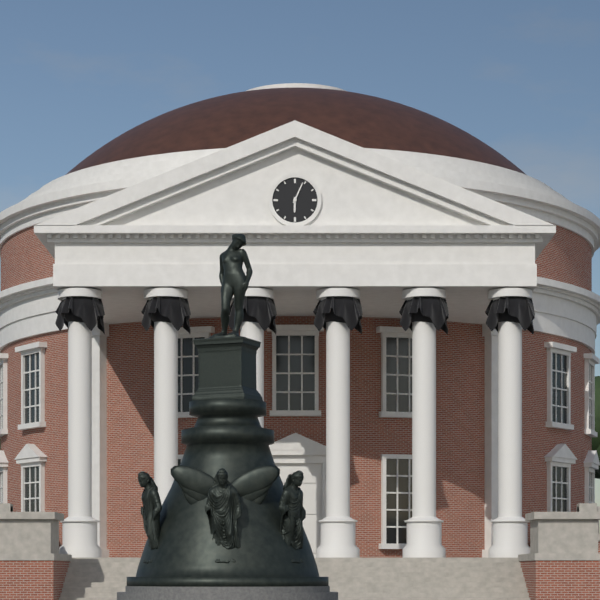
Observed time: 6:04
